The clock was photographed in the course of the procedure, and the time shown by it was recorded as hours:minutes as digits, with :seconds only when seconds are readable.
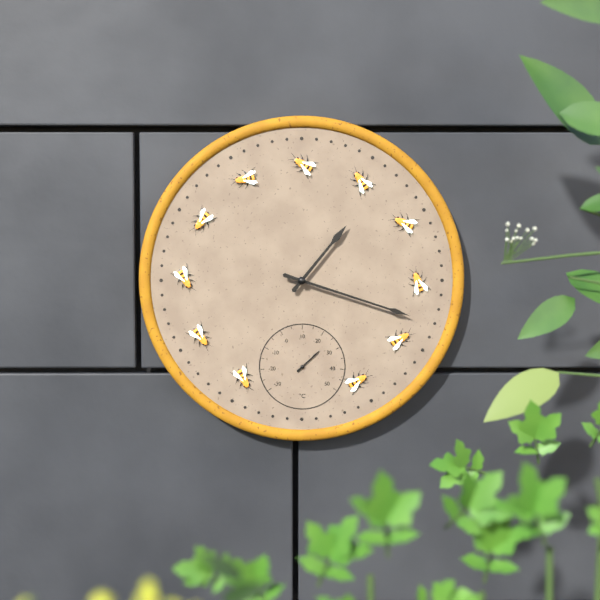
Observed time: 1:18
